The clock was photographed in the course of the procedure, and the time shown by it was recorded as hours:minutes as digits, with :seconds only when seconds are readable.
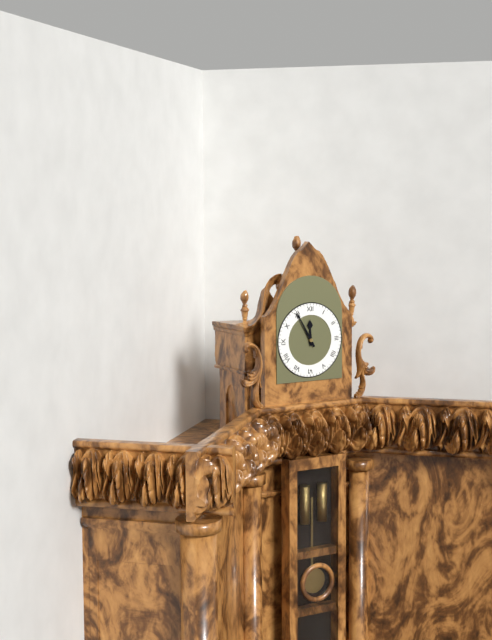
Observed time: 11:55
